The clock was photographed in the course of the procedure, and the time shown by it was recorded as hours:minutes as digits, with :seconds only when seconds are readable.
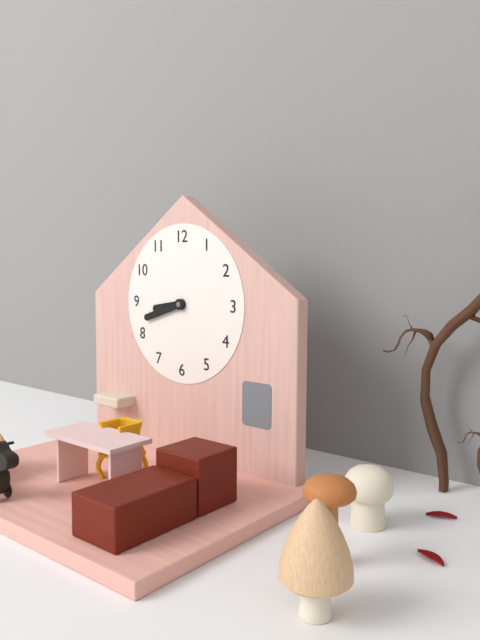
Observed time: 8:42
